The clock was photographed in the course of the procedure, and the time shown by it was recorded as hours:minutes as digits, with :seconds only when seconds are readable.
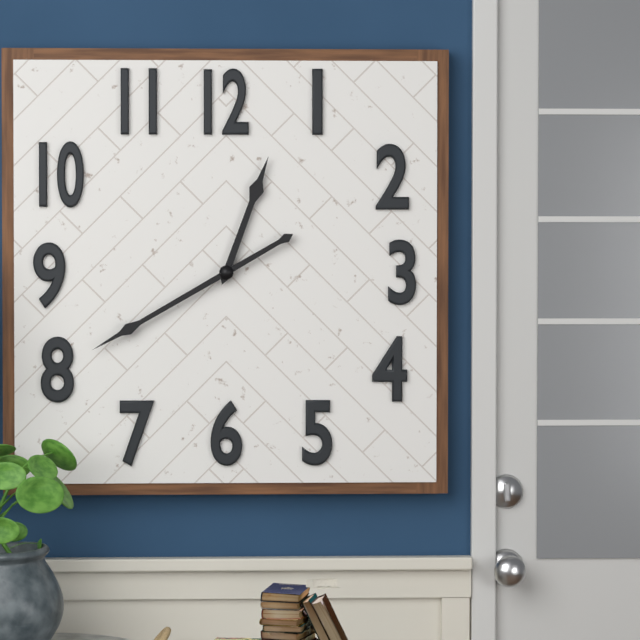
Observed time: 12:40
